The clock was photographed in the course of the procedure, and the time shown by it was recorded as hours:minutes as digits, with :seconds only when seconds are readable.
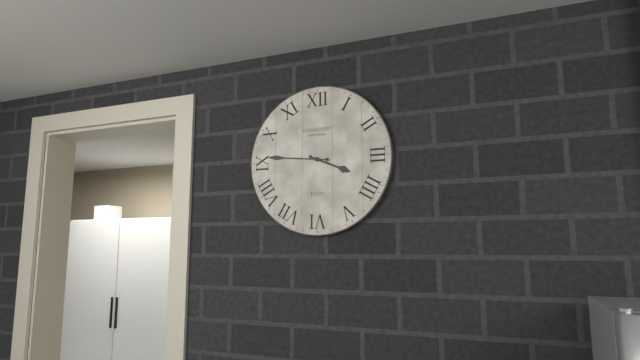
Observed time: 3:46
